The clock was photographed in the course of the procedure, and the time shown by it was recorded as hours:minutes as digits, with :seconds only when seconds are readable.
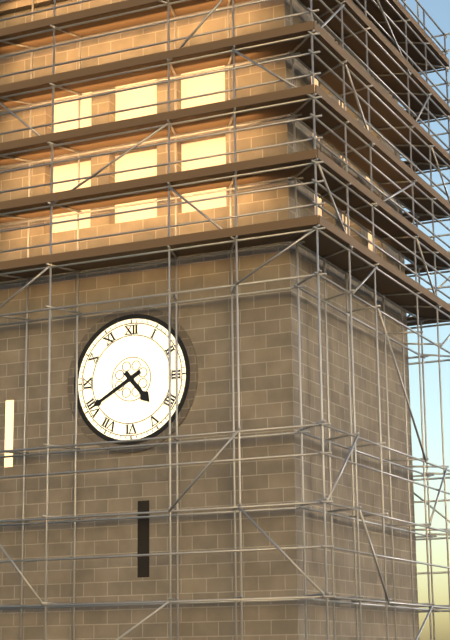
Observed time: 4:40
